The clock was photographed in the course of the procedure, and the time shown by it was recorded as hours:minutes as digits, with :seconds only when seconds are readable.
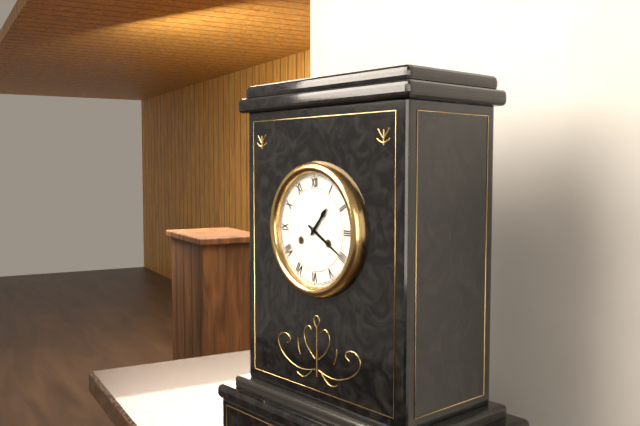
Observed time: 1:20
